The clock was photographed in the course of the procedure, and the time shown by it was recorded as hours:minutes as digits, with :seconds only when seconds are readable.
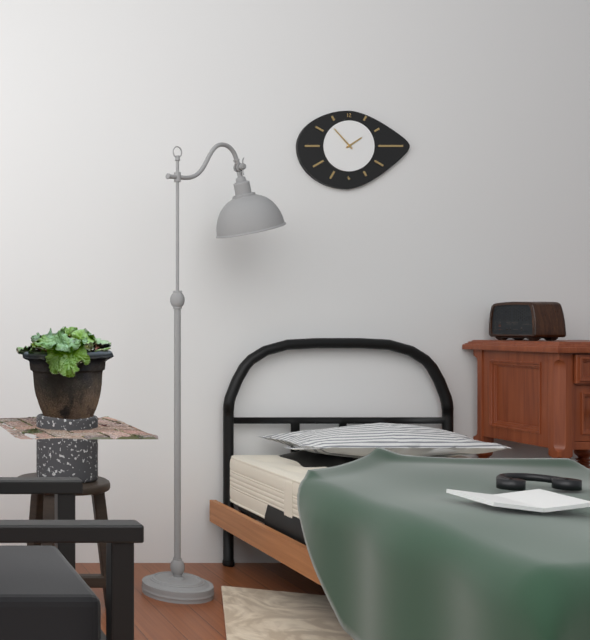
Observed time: 1:53
